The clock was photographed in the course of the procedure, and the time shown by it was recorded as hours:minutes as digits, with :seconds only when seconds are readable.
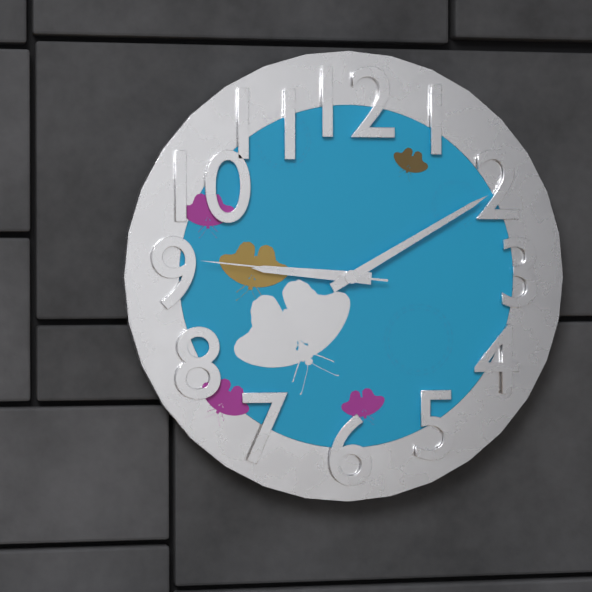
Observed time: 9:10:46
